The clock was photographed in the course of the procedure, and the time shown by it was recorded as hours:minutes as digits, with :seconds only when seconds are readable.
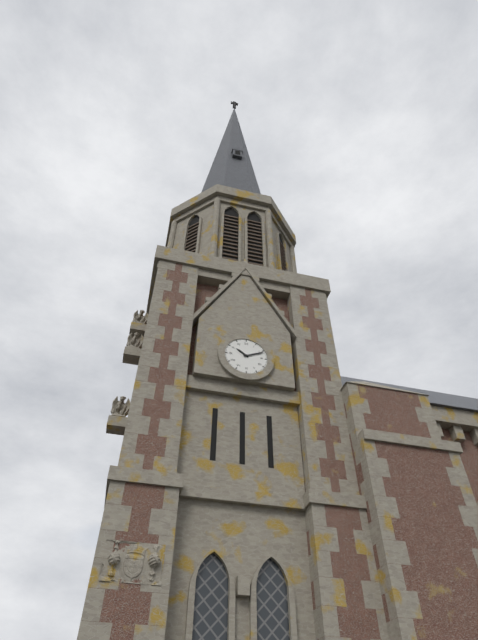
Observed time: 10:11
